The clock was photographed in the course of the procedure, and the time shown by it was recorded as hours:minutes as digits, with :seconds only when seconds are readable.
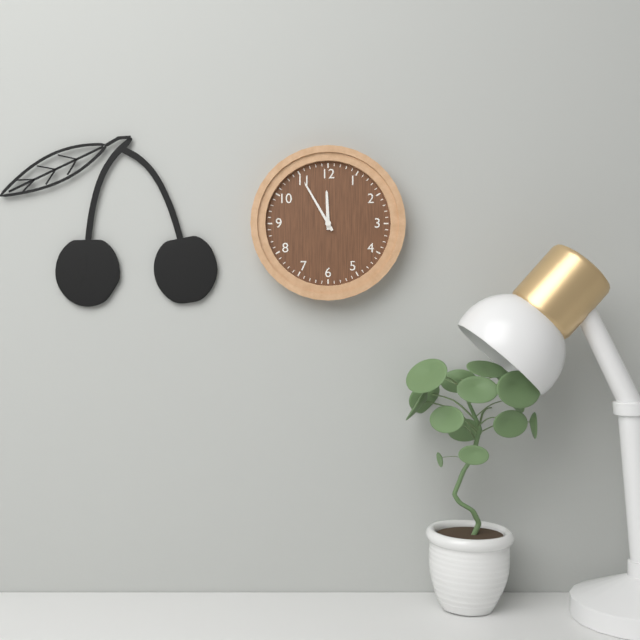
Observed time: 11:55
